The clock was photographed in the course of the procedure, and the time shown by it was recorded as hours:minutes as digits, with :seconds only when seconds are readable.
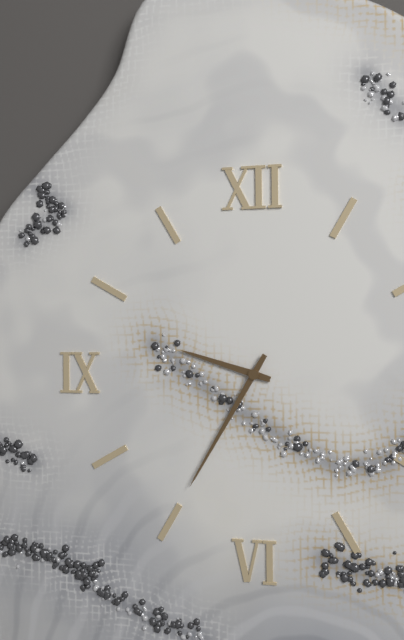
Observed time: 9:35
